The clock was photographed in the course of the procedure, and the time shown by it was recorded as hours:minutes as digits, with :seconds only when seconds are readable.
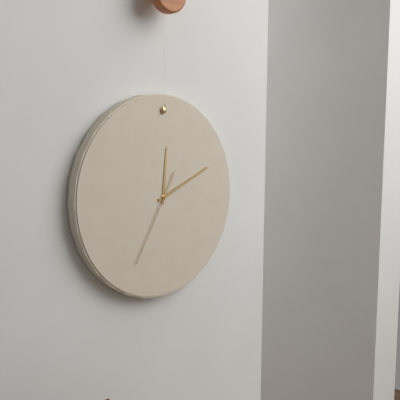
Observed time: 12:11:35
